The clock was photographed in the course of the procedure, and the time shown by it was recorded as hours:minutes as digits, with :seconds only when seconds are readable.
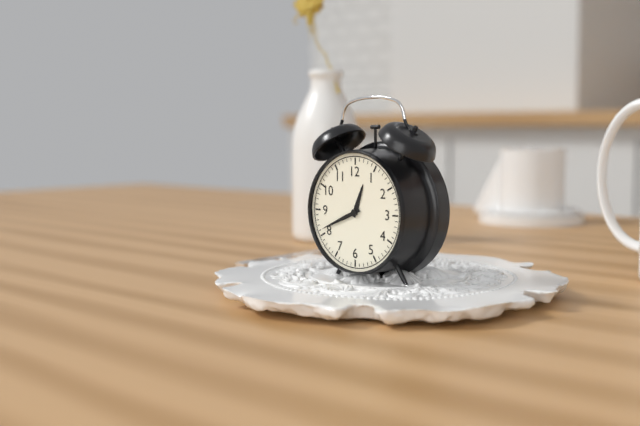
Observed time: 12:41
